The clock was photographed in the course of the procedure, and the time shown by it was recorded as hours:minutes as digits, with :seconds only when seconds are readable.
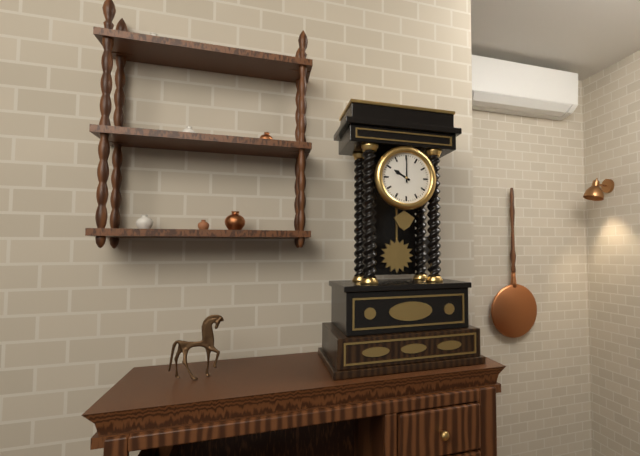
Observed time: 10:00
